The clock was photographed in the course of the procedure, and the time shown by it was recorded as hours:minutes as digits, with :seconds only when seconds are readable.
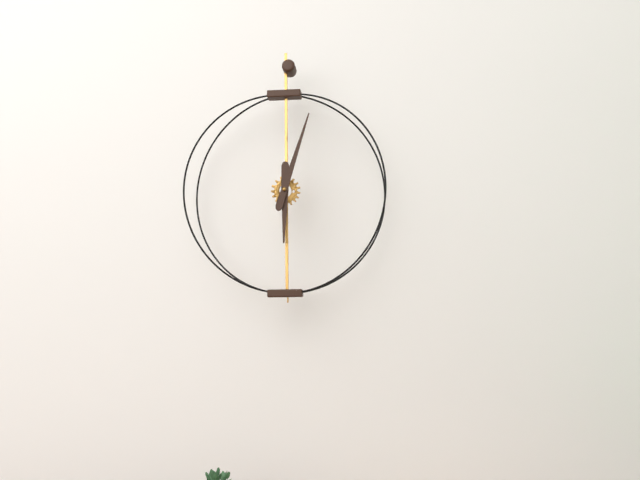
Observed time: 6:03
